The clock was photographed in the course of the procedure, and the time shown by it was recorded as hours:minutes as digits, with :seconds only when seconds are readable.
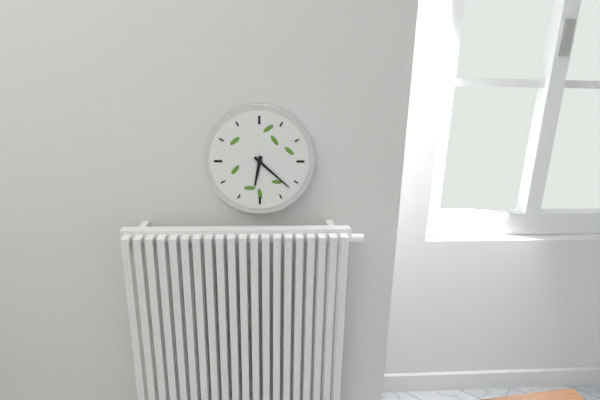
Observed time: 6:22
